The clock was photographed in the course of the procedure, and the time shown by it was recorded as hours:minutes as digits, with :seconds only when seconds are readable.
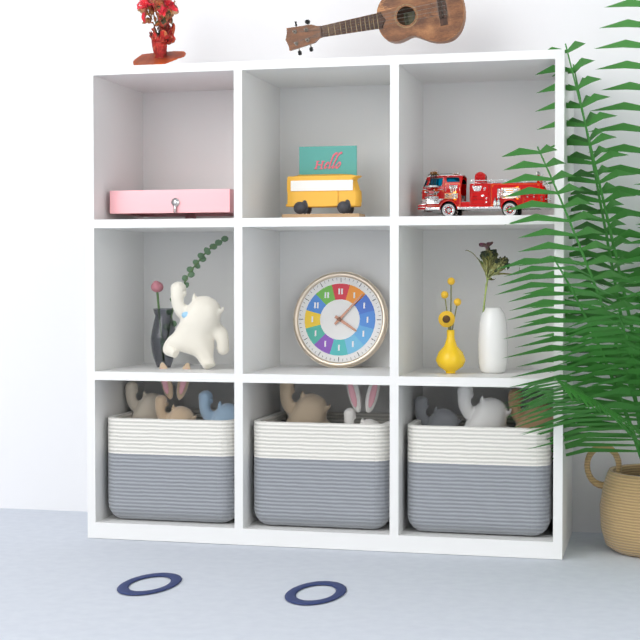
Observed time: 4:07
